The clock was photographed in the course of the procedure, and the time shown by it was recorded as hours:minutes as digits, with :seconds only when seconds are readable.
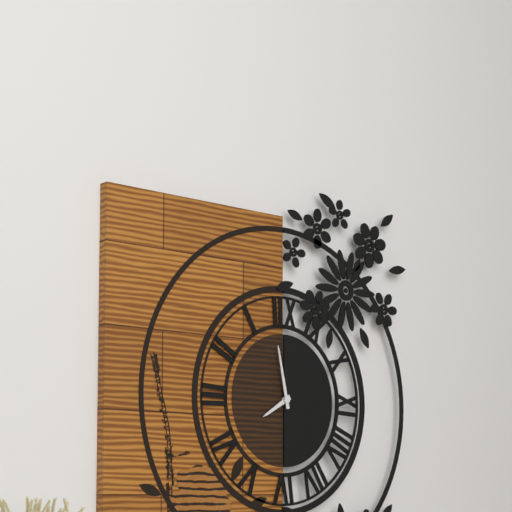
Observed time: 7:58
